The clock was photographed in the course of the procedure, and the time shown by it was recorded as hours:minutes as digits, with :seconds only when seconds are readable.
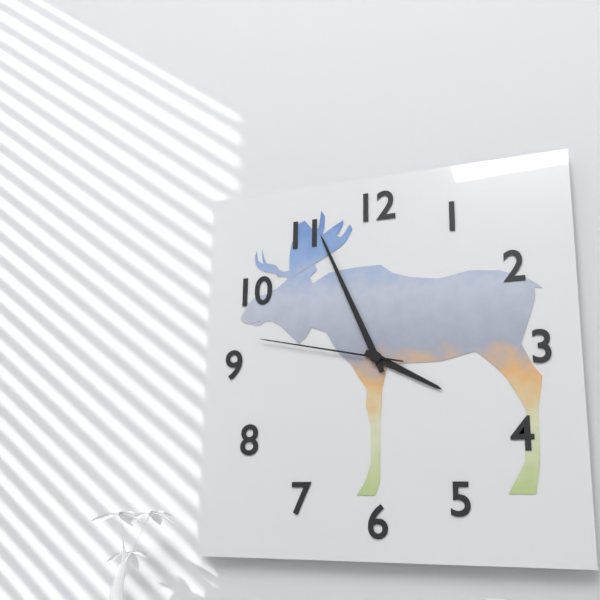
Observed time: 3:56:47
